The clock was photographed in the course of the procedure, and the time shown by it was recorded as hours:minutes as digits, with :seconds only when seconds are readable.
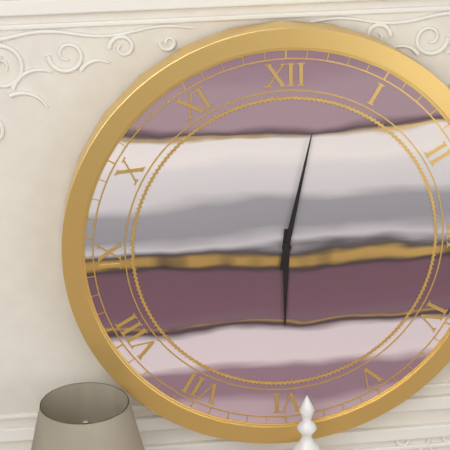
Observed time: 6:02
